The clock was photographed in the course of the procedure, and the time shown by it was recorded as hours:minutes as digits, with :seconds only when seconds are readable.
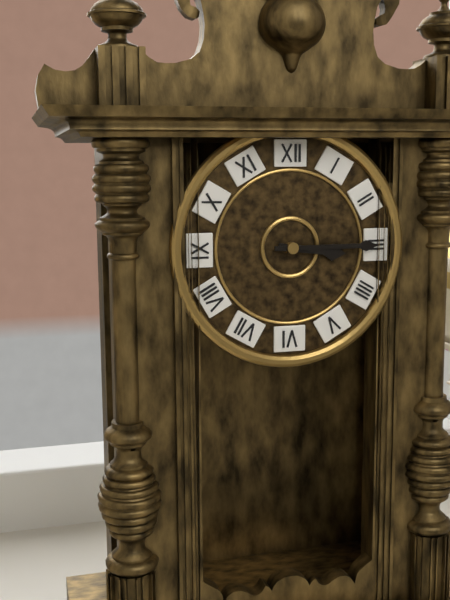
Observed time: 3:15
